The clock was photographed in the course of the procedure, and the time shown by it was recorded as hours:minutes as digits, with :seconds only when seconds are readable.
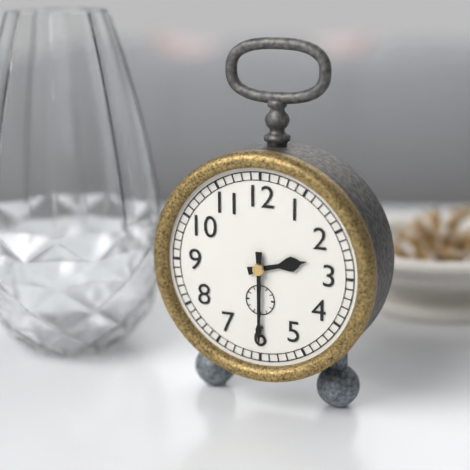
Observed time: 2:30
